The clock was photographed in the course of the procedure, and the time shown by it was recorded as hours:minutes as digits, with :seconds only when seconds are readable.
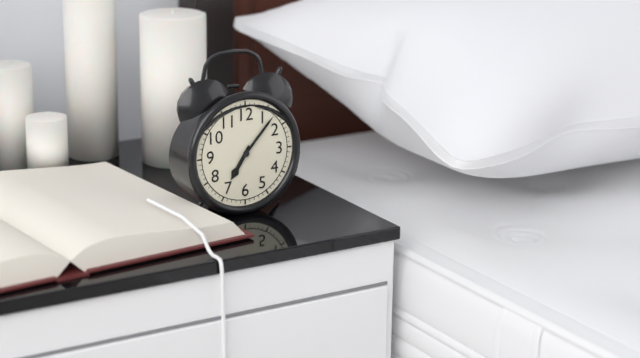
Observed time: 7:07
